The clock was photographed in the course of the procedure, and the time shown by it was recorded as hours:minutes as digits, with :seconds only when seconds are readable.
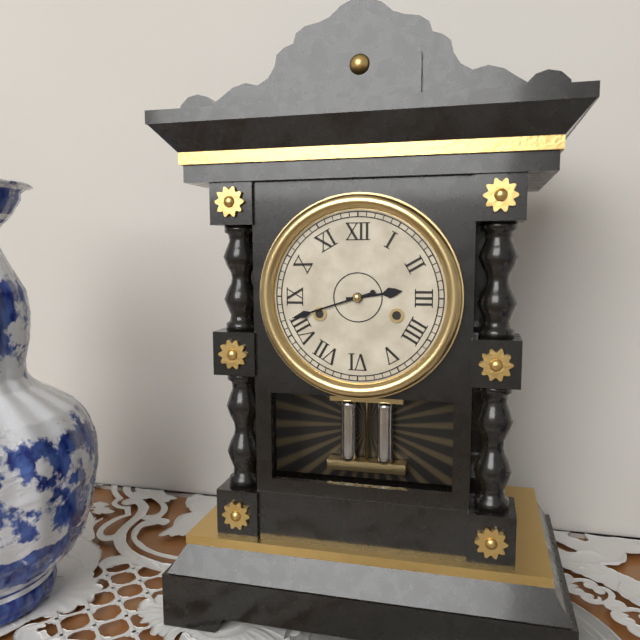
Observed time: 2:42
